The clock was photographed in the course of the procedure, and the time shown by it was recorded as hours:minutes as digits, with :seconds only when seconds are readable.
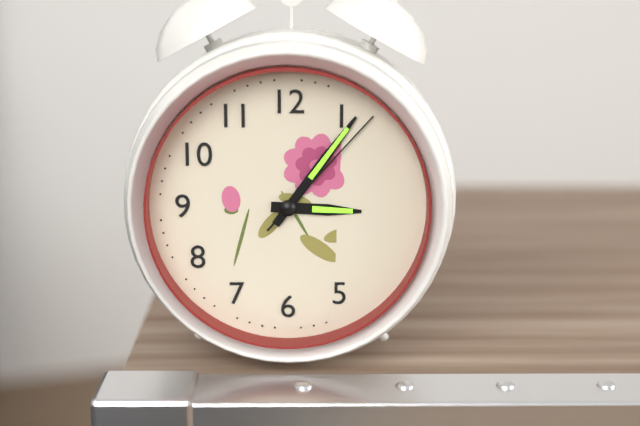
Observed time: 3:06:07
